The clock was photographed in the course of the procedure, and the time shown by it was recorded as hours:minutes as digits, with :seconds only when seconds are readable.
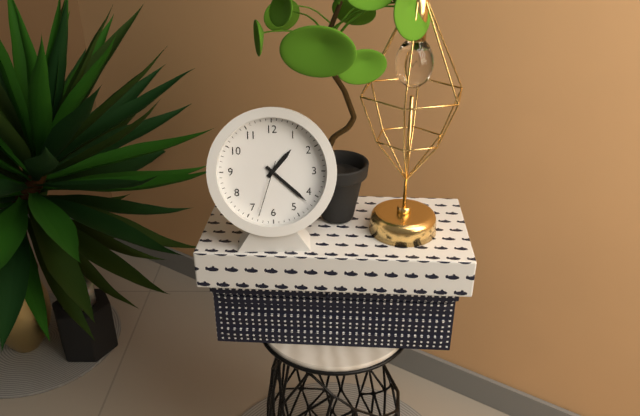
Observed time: 1:22:33
